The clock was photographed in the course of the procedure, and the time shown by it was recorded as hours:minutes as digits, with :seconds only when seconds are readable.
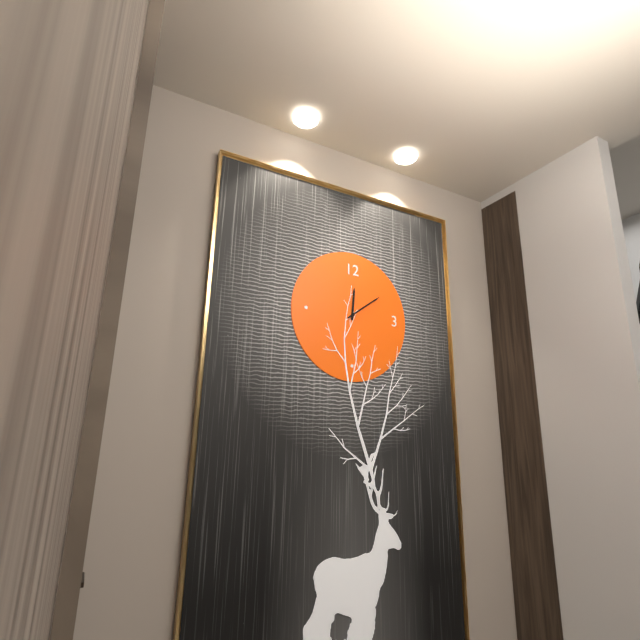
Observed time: 12:09
